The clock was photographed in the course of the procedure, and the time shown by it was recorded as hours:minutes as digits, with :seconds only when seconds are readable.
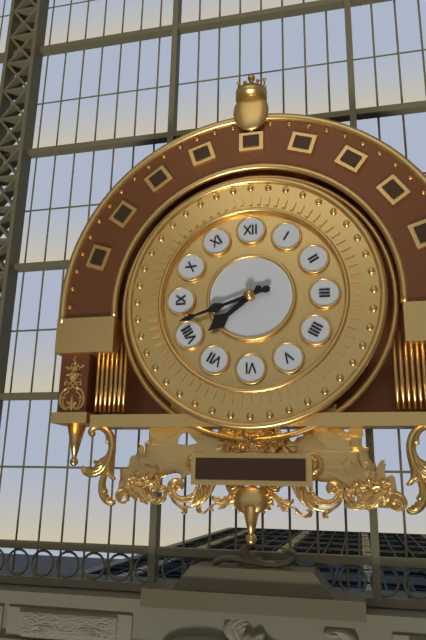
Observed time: 7:42
